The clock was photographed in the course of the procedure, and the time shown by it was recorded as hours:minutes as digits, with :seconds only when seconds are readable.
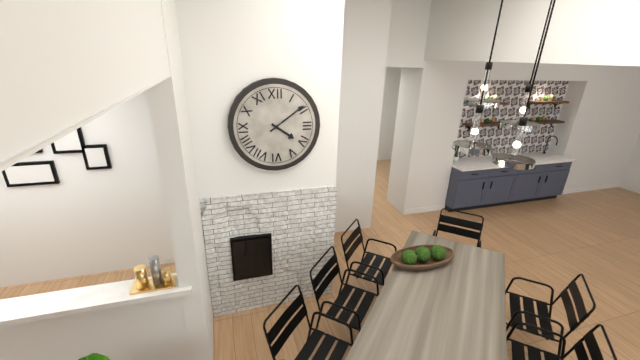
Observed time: 4:09
